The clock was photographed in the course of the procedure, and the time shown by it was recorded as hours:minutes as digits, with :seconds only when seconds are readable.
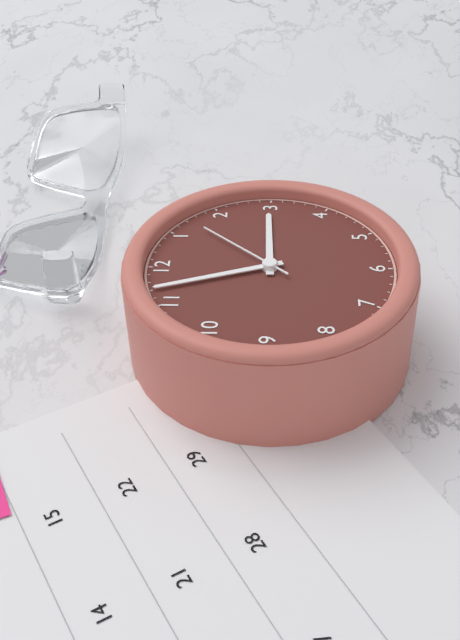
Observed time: 2:57:07
